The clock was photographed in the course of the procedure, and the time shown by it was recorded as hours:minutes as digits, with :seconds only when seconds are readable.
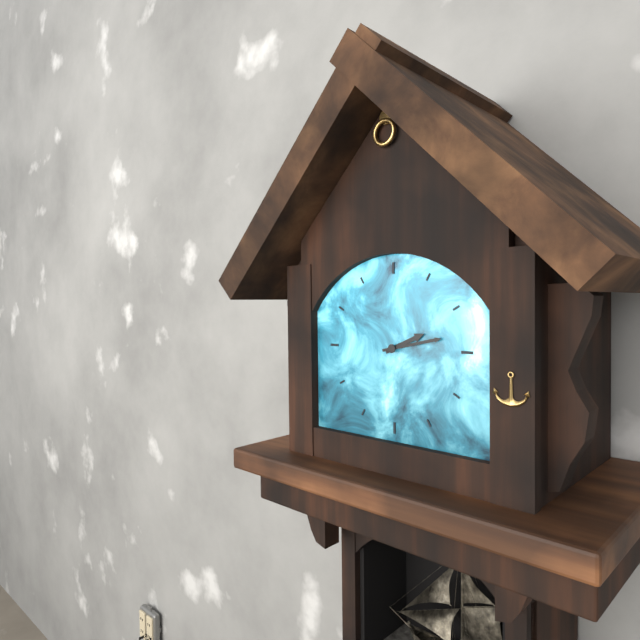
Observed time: 2:13
